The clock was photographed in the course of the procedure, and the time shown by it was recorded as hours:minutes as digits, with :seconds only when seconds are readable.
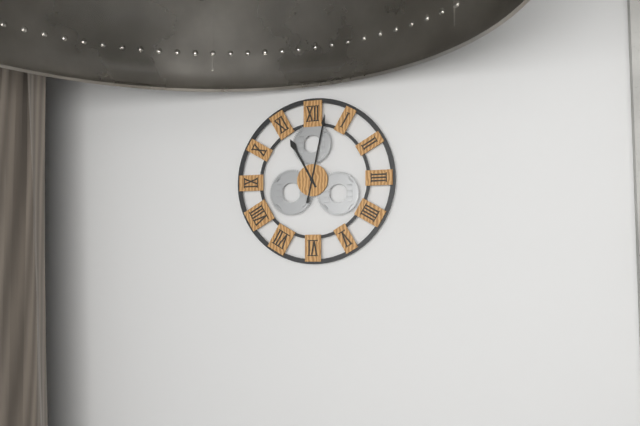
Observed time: 11:02
